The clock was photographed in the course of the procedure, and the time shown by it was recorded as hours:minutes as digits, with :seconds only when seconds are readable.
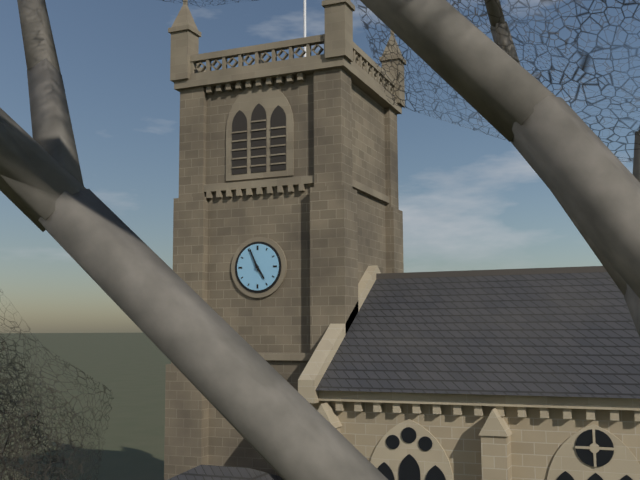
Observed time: 4:56
